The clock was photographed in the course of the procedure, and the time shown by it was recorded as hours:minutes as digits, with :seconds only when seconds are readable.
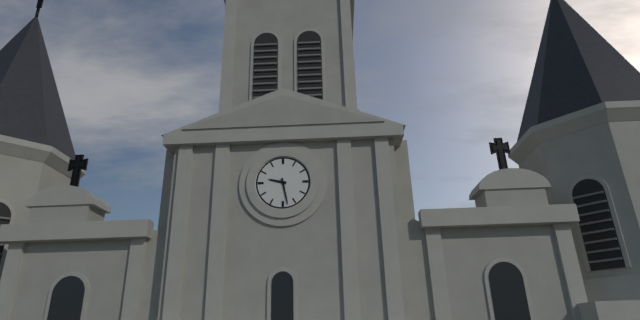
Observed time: 9:28
